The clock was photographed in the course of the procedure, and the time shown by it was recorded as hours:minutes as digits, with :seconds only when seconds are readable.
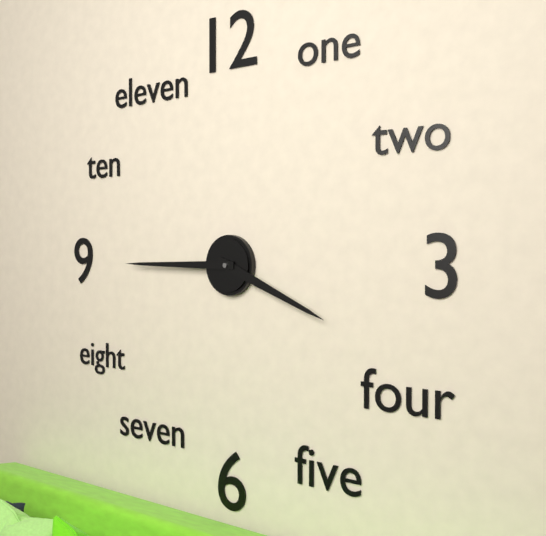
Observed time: 3:45
